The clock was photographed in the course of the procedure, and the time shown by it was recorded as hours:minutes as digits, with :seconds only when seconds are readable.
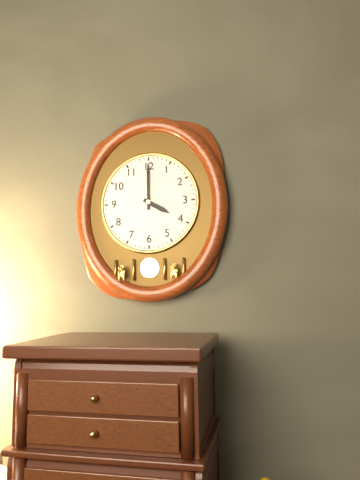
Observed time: 4:00
